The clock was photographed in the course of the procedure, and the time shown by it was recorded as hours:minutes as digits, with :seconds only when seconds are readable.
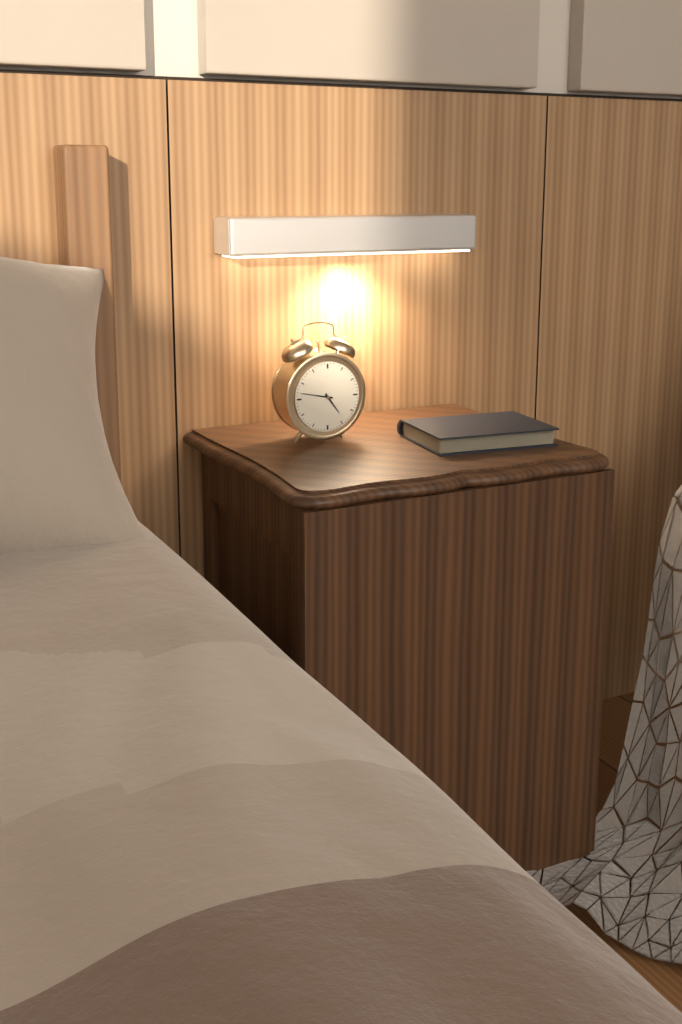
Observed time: 4:47
